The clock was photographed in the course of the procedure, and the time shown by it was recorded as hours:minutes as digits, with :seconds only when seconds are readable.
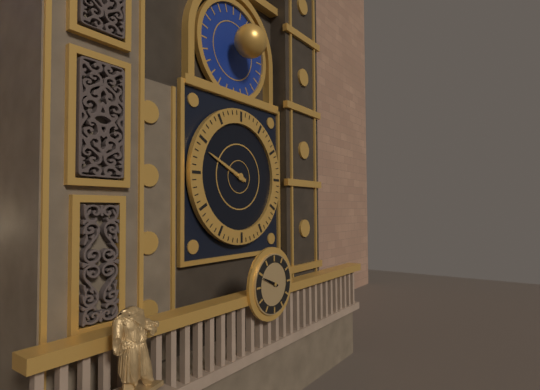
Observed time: 9:49
